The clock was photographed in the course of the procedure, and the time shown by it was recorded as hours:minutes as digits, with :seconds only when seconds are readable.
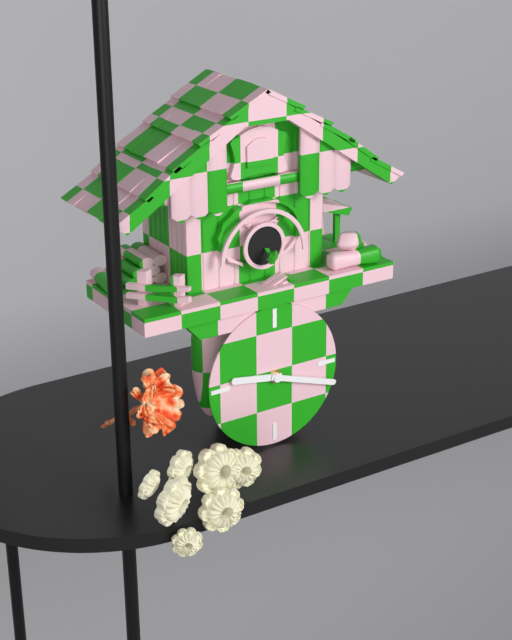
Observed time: 9:18
